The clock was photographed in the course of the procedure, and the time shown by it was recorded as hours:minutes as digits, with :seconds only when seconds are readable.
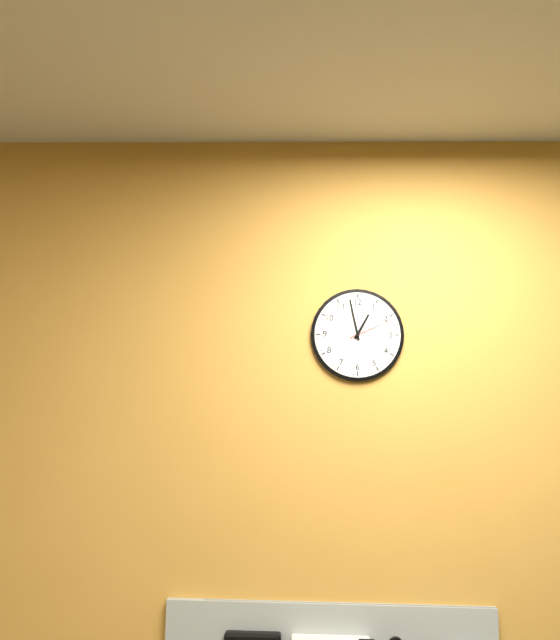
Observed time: 12:58
